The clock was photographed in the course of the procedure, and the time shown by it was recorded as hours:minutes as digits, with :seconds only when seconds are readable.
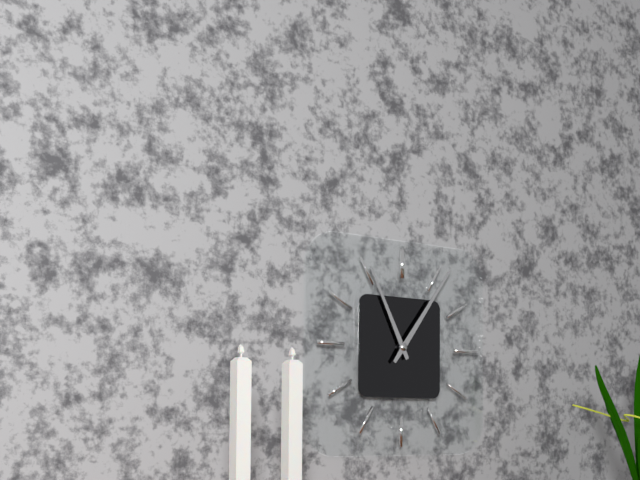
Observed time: 11:06
